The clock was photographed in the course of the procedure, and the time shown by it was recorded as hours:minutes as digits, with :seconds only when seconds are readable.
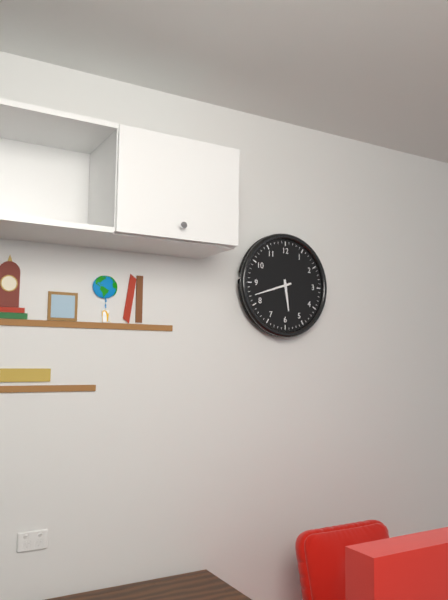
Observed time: 5:42
